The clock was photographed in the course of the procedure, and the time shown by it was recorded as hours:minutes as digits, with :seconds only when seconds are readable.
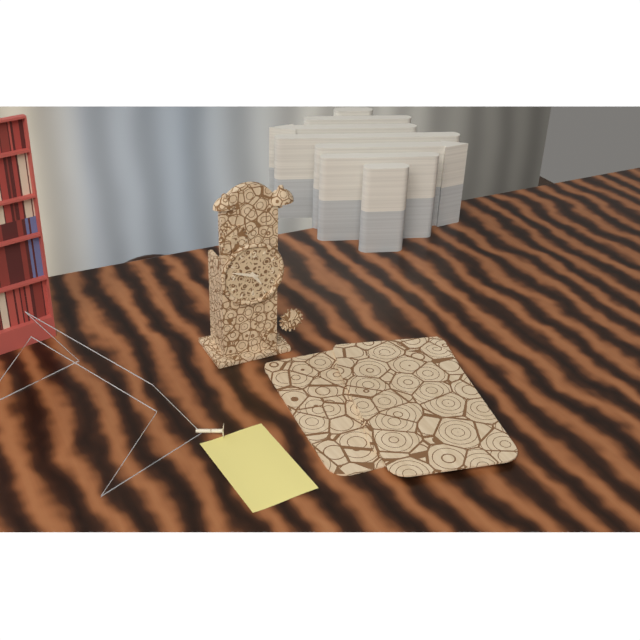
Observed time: 4:48
